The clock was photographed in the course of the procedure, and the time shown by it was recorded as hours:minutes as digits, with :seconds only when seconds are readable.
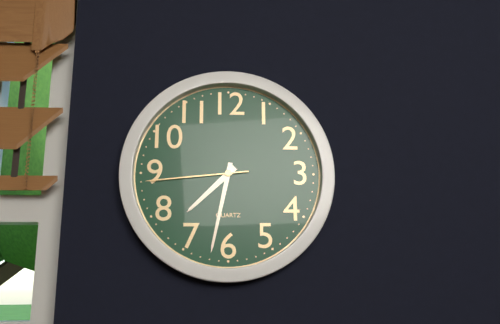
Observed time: 7:32:44
